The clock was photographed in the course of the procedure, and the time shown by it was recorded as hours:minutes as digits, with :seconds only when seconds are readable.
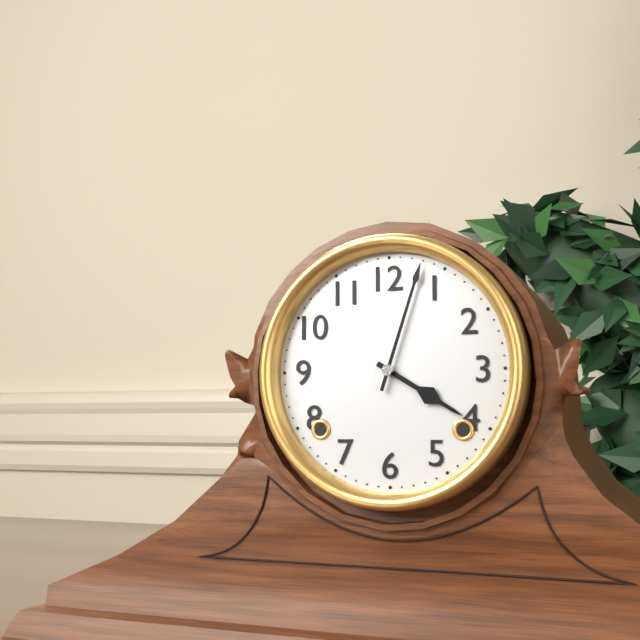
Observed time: 4:03
